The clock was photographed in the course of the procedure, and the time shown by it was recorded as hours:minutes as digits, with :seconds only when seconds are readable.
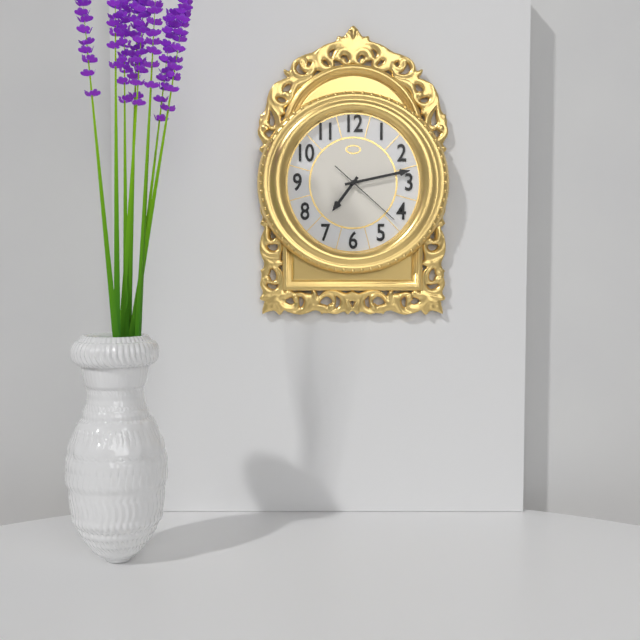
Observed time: 7:13:22
